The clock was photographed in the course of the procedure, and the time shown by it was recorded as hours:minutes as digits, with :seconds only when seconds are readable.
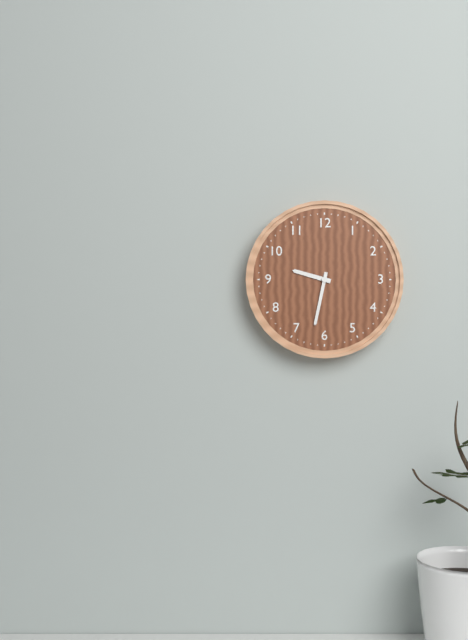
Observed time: 9:32
